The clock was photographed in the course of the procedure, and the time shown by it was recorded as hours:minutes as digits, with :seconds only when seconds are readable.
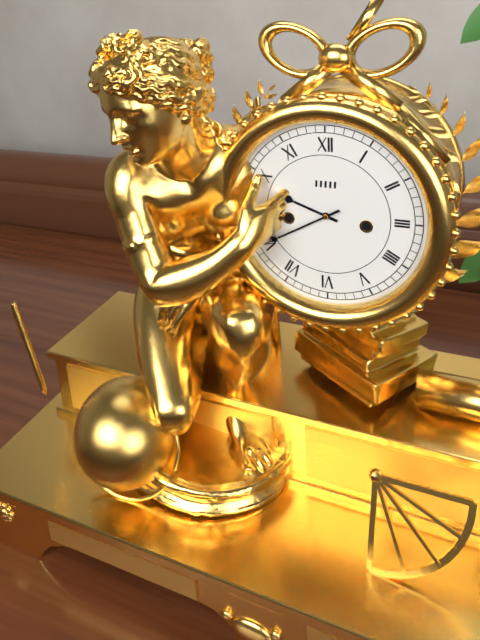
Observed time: 9:40
